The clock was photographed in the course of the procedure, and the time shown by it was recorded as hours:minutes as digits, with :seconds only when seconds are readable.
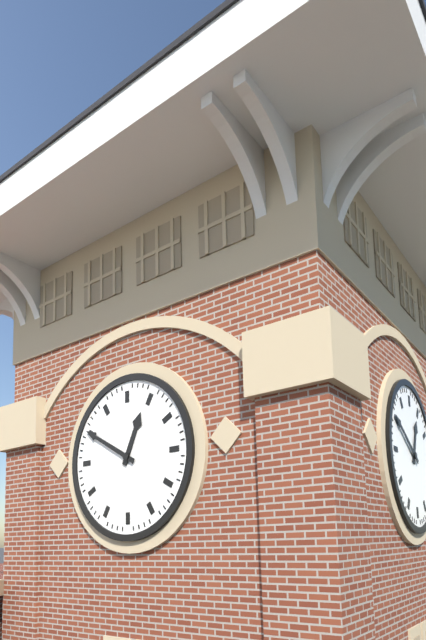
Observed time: 12:50
